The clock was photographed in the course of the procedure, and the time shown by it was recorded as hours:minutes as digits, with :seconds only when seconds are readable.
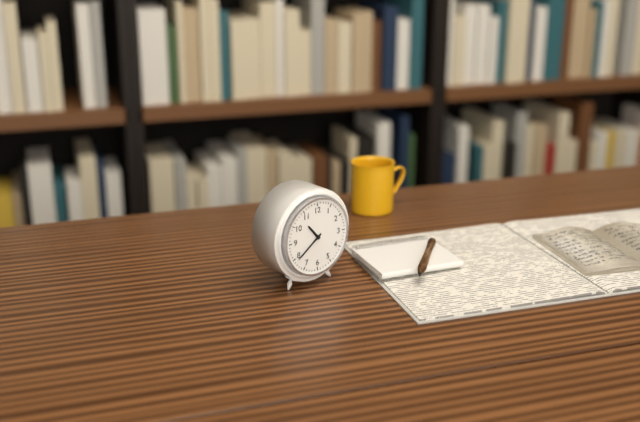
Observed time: 10:39
